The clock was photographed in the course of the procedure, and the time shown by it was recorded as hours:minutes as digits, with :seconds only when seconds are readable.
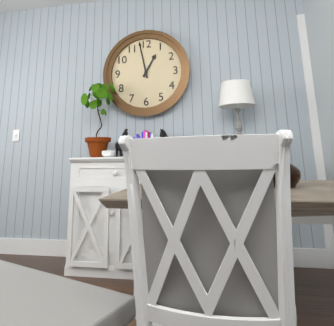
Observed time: 12:58
